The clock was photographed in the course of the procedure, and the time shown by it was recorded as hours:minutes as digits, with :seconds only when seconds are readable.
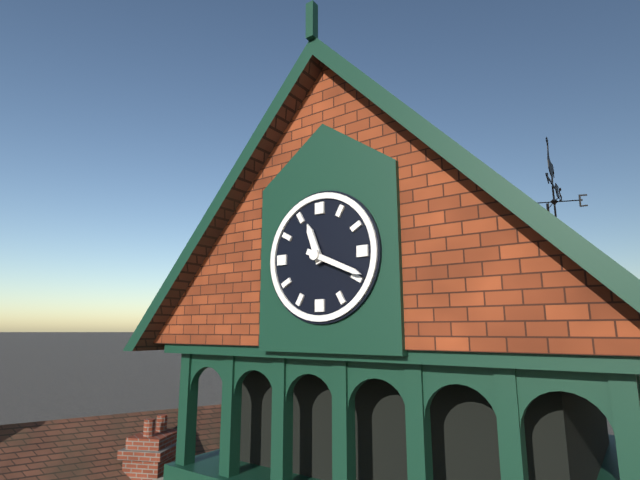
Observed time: 11:19
